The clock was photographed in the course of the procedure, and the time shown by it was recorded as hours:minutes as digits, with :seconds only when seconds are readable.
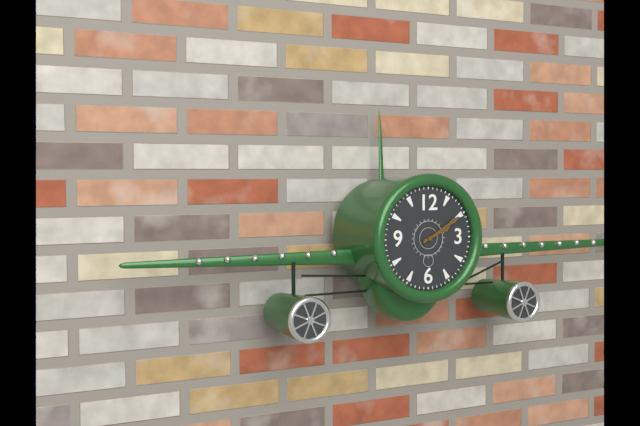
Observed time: 2:10
